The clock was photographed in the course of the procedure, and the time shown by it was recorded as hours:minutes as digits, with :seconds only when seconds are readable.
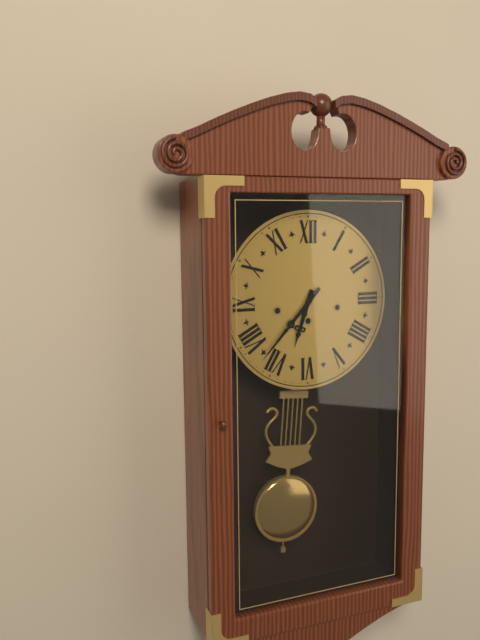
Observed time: 6:37
